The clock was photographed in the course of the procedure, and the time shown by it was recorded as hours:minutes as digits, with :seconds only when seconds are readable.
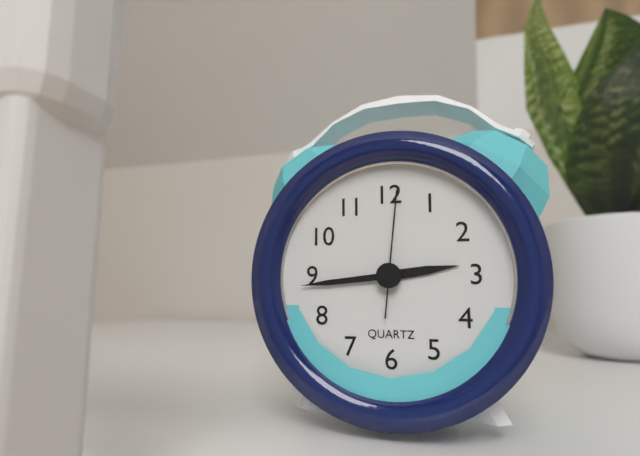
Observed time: 2:44:01
